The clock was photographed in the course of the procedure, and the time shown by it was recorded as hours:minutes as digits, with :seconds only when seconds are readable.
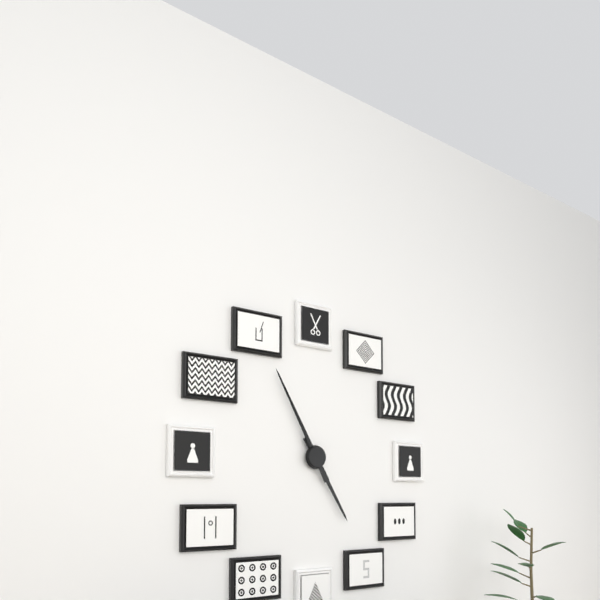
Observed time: 4:55
